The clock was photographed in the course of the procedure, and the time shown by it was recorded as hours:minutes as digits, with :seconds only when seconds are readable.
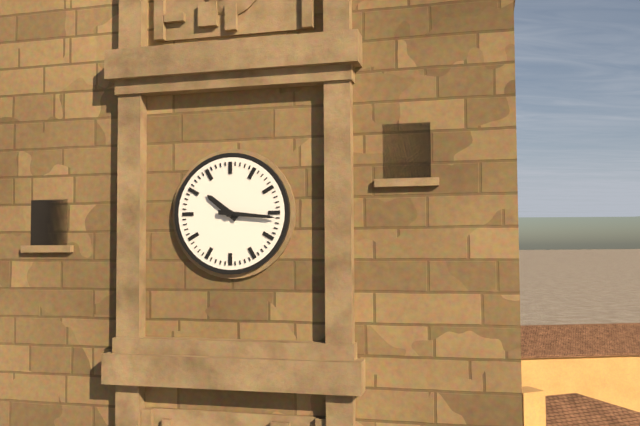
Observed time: 10:16
